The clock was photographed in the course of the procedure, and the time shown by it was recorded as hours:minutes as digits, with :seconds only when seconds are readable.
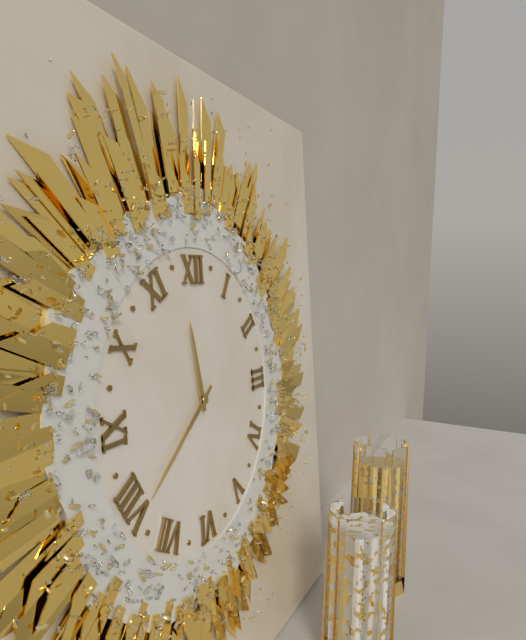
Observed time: 11:39
